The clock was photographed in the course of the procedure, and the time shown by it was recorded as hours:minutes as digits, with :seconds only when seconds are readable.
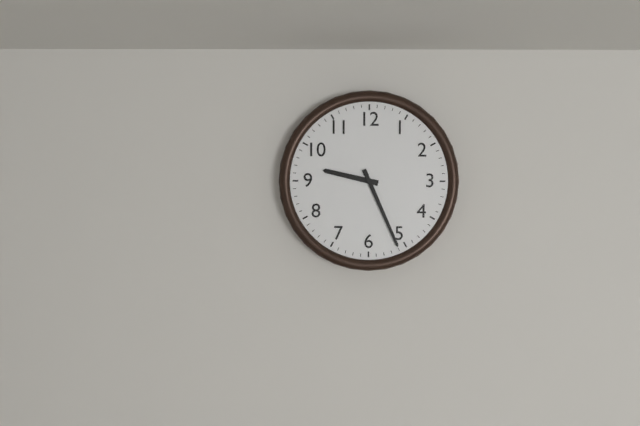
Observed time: 9:26
